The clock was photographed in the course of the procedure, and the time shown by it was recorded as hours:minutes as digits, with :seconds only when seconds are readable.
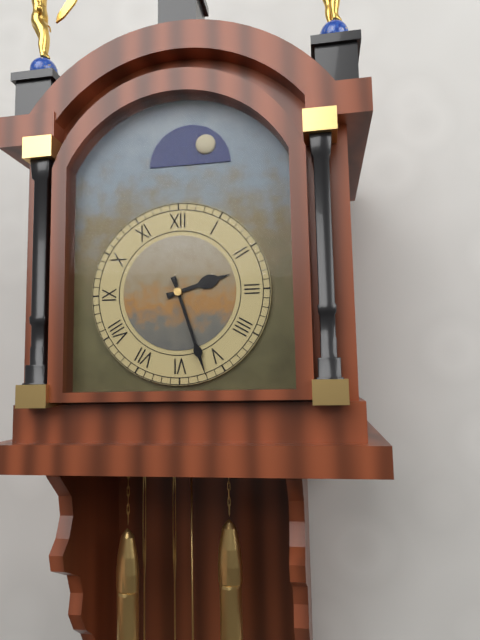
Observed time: 2:27
